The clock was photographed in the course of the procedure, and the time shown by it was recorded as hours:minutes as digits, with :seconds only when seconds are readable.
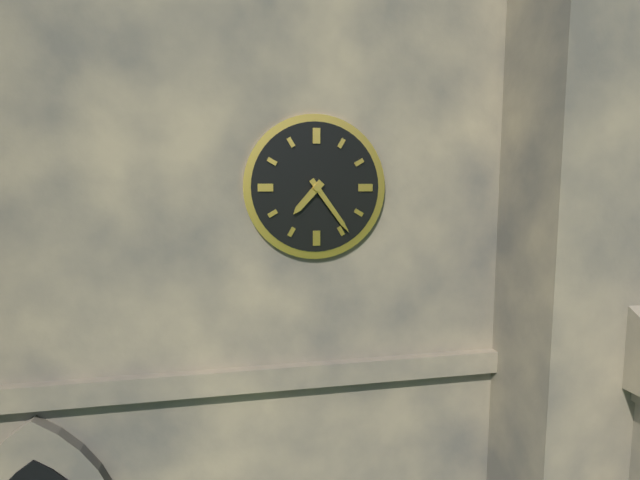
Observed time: 7:24
